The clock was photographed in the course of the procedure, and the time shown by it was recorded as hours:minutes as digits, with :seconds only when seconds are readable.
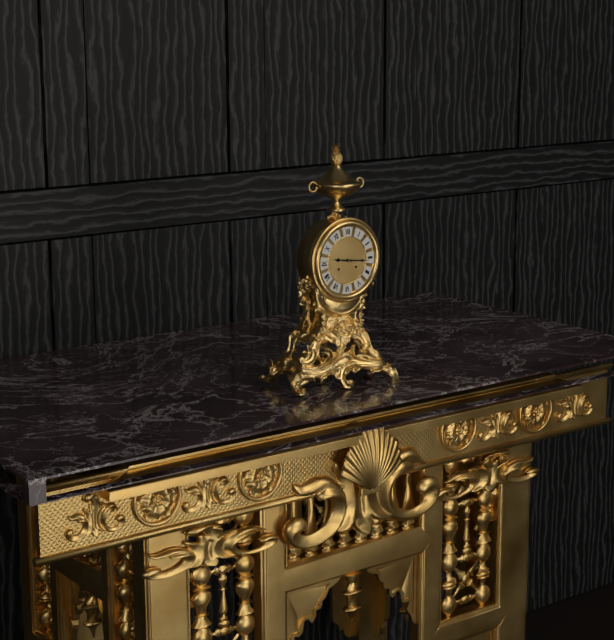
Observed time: 9:16
